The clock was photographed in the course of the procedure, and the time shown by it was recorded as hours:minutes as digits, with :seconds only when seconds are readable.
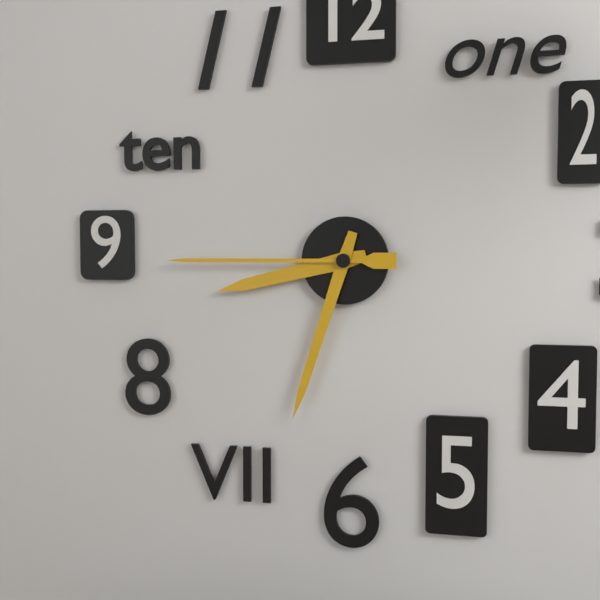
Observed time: 8:33:45
